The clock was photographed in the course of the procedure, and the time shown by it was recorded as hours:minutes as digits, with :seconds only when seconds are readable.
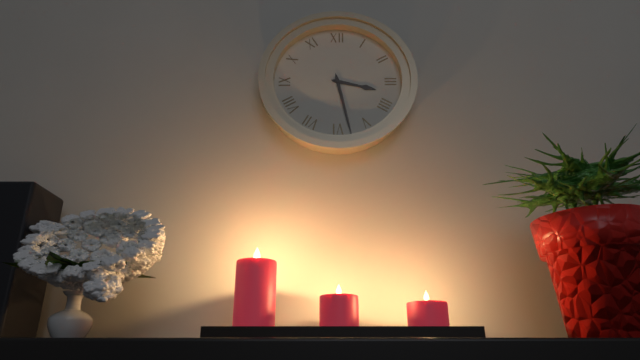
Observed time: 3:28
